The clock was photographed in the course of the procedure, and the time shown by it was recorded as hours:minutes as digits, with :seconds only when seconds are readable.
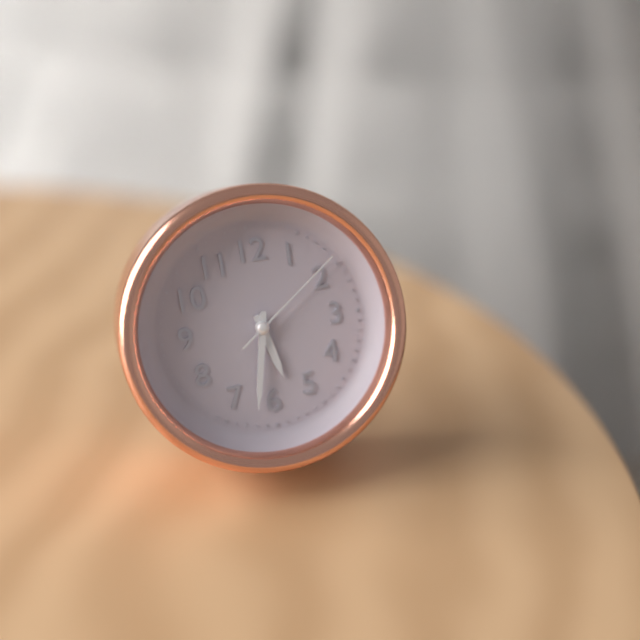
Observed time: 5:32:09
